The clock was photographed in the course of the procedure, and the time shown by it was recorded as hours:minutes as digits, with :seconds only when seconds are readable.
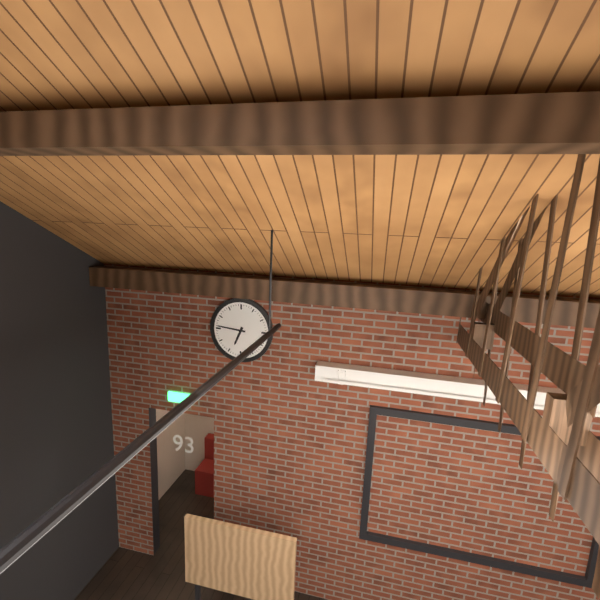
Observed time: 6:46
